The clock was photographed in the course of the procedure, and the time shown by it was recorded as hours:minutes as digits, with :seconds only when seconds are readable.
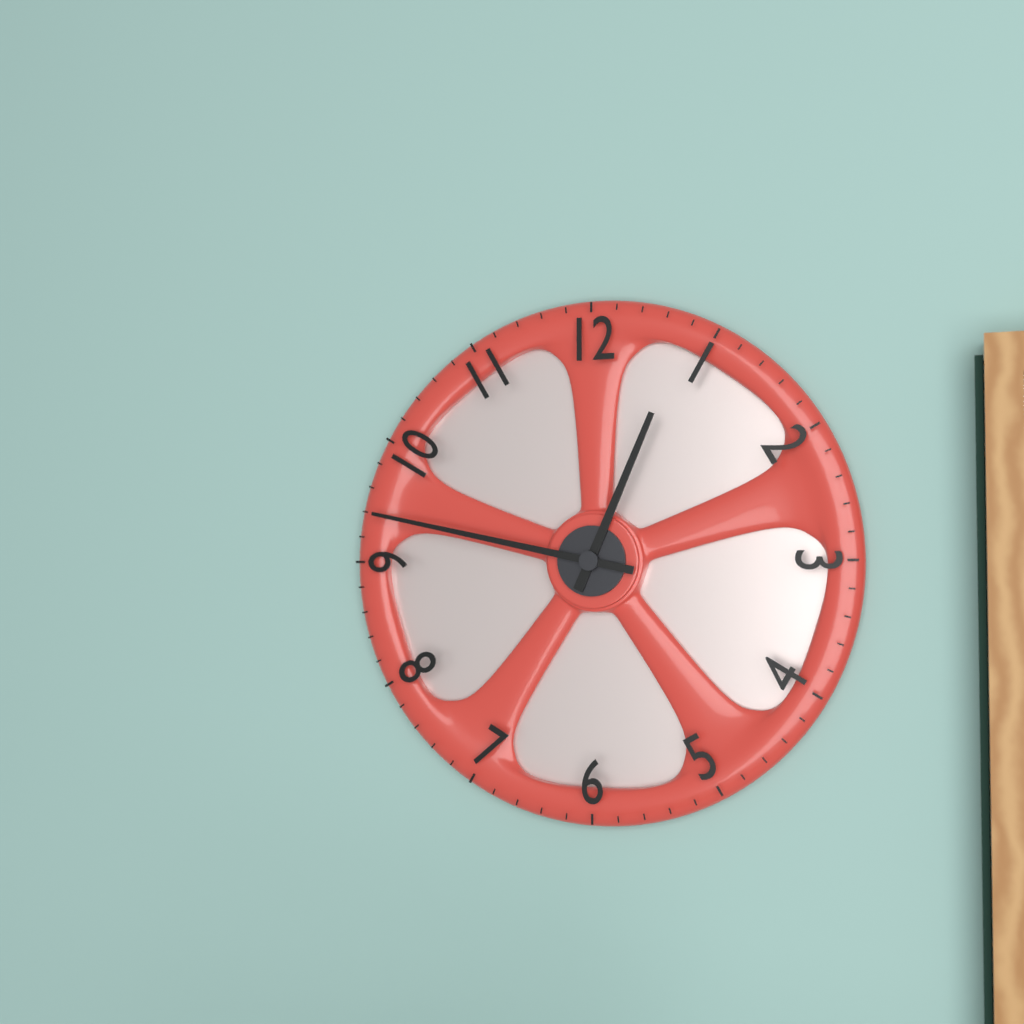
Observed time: 12:47
